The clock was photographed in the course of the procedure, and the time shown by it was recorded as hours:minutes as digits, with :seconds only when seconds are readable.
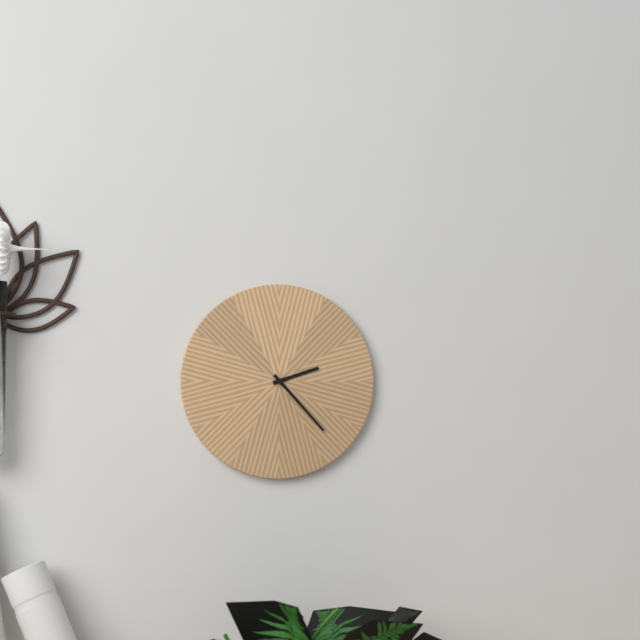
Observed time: 2:23
